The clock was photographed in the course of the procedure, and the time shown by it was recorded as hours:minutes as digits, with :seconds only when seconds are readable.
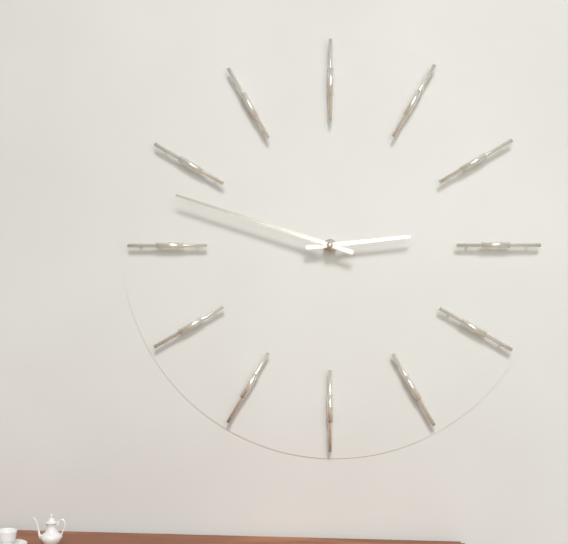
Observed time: 2:48
